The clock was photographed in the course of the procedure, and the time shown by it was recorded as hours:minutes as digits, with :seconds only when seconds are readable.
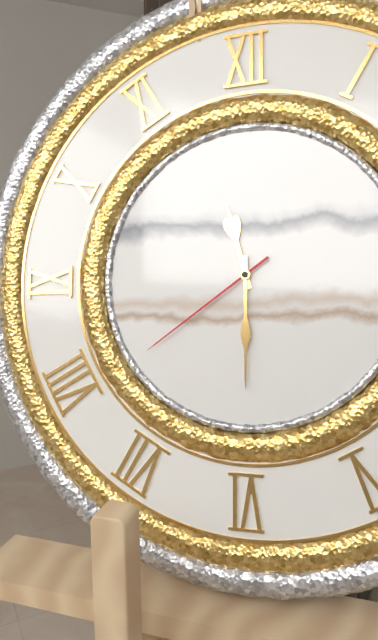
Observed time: 11:30:39
